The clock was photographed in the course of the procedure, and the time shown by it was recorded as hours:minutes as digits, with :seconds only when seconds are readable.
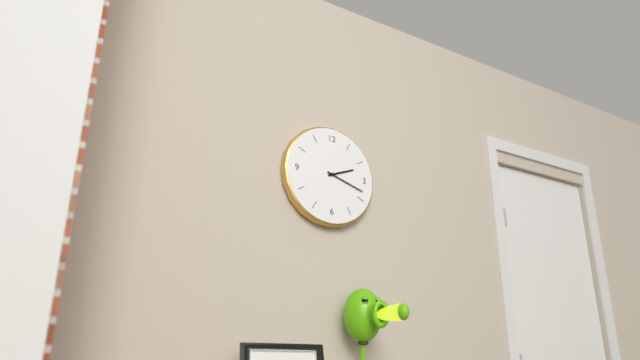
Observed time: 2:18
